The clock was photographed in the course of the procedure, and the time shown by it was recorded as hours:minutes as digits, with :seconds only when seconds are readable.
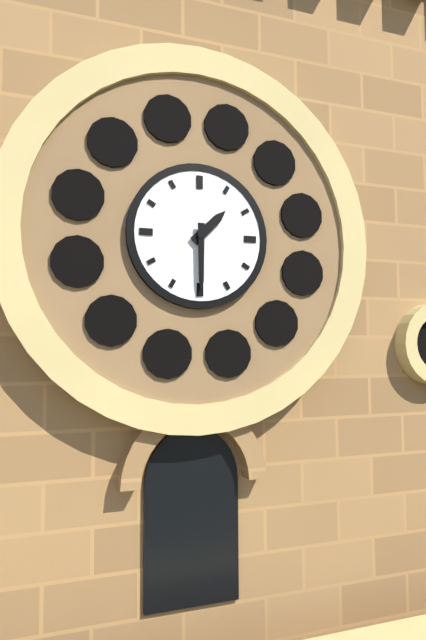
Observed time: 1:30
